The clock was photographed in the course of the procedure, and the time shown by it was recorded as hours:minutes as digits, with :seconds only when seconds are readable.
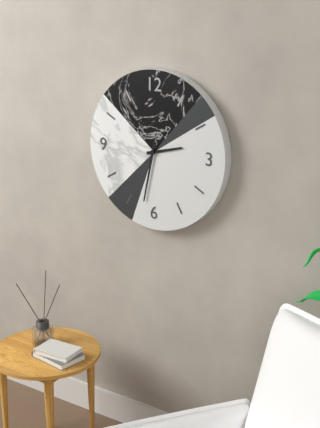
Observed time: 2:32
